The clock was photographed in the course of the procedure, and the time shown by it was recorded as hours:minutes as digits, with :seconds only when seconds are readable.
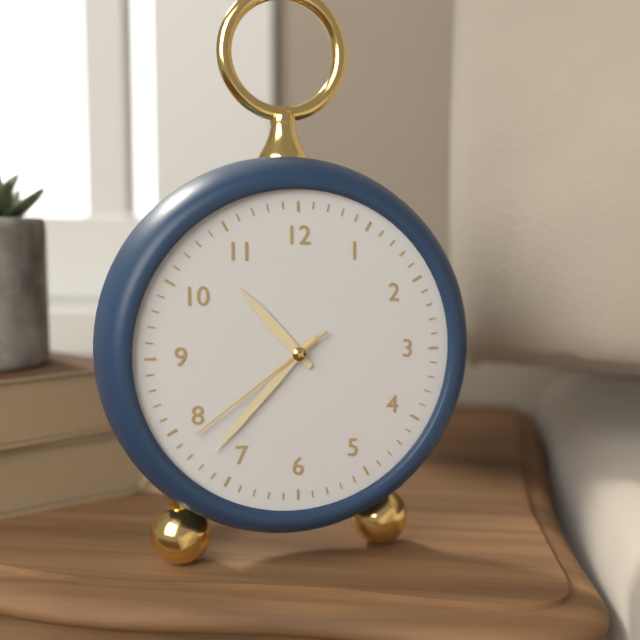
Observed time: 10:37:39
